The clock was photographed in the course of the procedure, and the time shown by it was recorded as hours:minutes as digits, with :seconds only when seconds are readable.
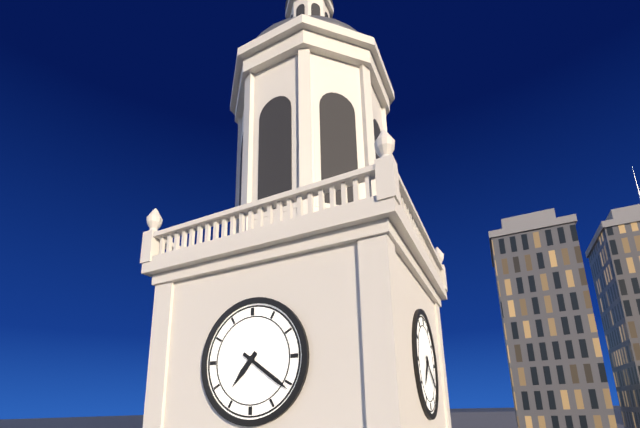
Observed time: 7:21
